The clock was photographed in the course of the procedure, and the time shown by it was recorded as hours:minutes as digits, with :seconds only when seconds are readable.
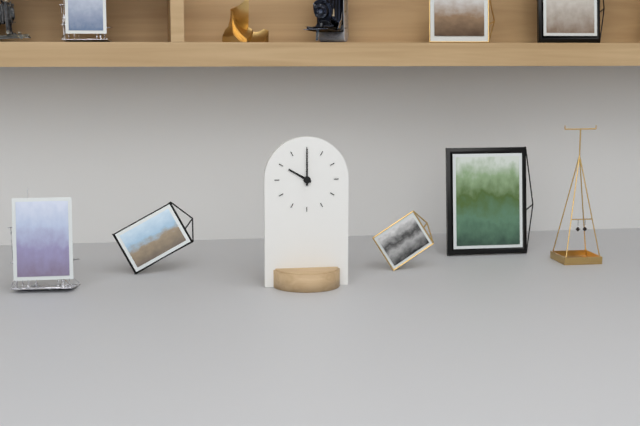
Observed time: 10:00
